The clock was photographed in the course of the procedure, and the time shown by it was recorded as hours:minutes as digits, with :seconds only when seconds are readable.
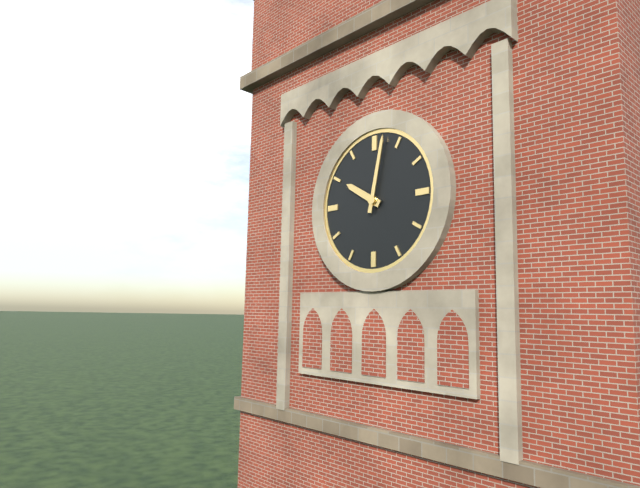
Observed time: 10:02
